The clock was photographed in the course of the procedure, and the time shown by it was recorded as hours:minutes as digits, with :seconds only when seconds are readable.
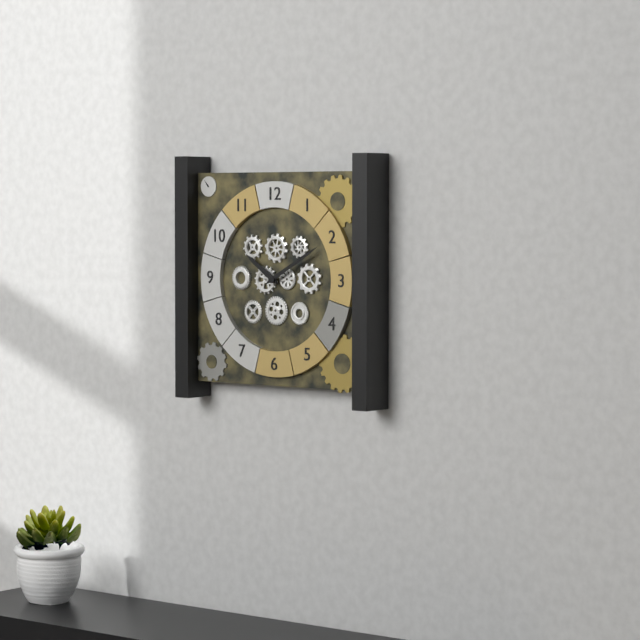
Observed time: 10:10
